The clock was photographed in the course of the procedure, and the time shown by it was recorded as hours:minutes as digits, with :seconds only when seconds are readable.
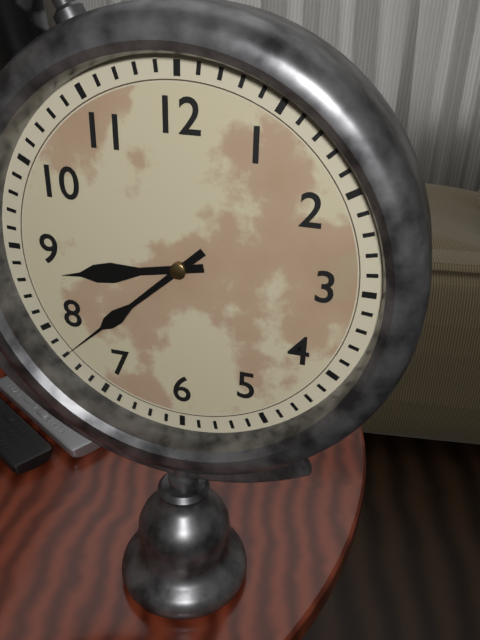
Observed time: 8:38
